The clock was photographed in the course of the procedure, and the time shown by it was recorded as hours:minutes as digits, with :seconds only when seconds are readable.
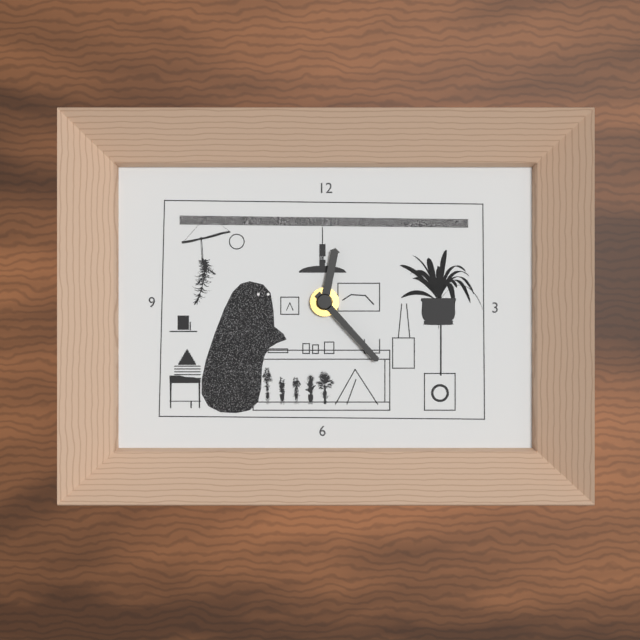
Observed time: 12:23
